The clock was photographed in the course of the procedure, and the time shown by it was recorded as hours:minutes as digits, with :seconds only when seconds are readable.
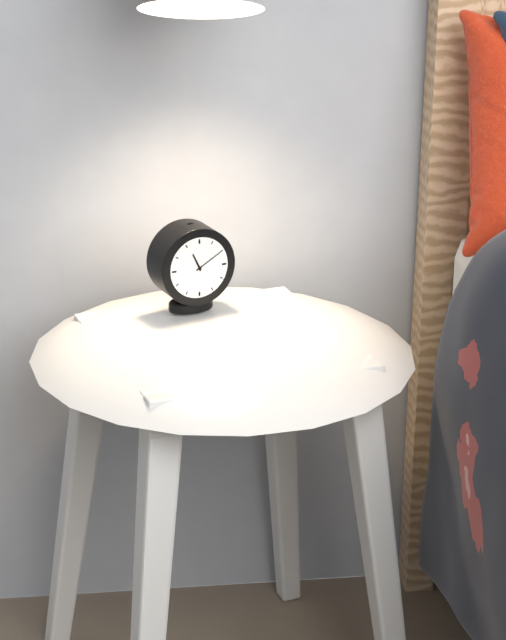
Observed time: 11:10
